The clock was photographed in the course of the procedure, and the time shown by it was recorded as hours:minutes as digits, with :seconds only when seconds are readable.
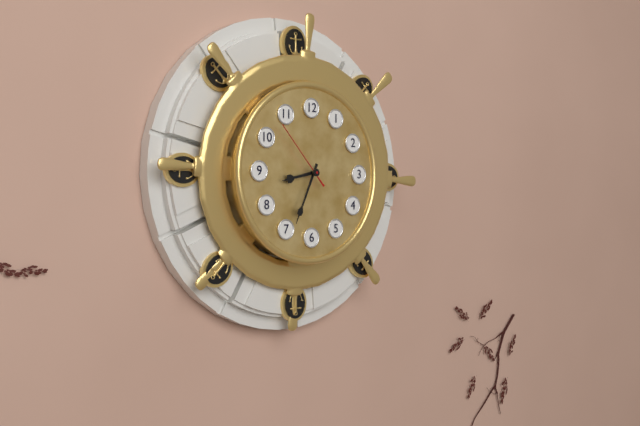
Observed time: 8:34:53
